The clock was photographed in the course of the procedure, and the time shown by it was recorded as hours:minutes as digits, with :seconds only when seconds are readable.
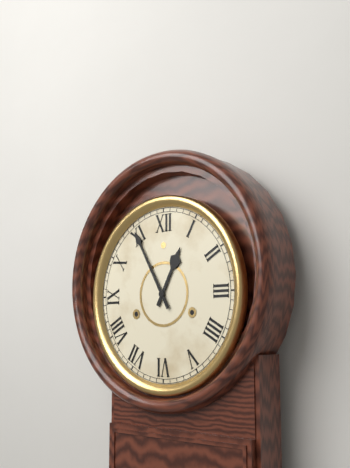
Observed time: 12:55
